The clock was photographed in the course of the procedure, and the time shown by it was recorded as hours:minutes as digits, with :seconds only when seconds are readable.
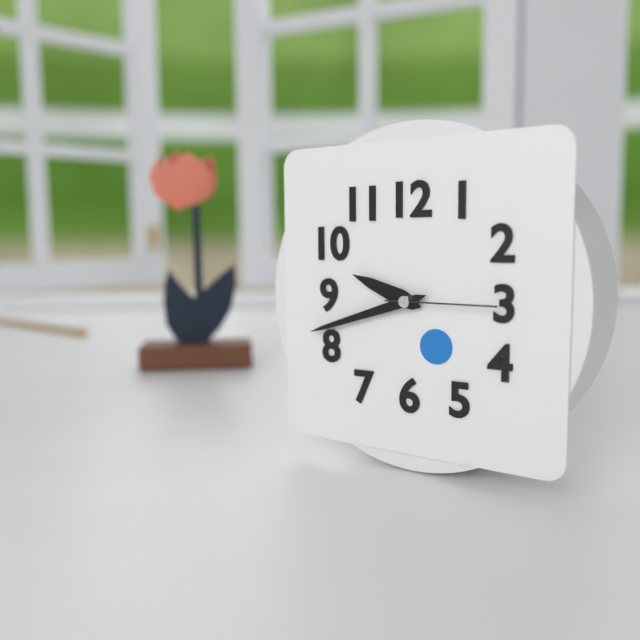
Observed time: 9:42:15
